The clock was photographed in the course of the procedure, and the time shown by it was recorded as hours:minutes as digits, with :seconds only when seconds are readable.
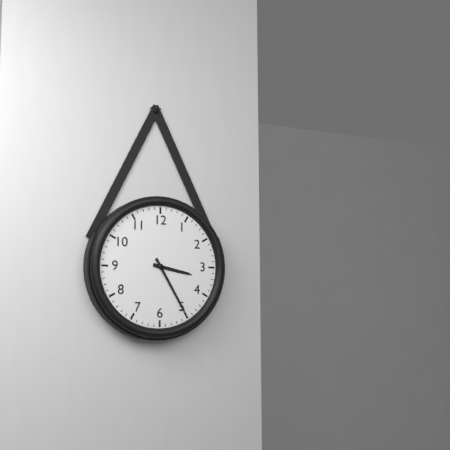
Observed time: 3:25
